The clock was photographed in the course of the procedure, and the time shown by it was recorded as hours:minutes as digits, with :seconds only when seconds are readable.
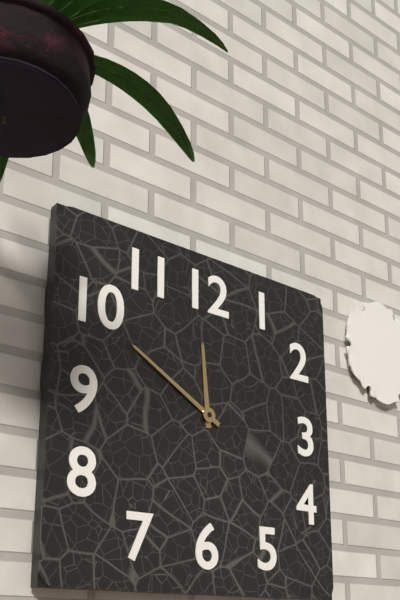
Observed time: 11:50
